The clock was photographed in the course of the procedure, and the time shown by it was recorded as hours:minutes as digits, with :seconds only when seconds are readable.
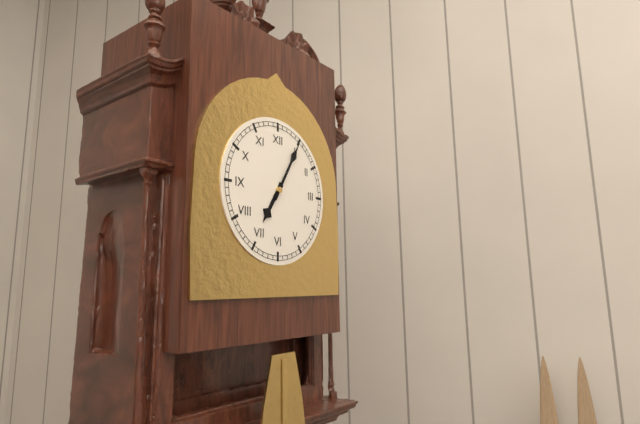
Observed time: 7:05
